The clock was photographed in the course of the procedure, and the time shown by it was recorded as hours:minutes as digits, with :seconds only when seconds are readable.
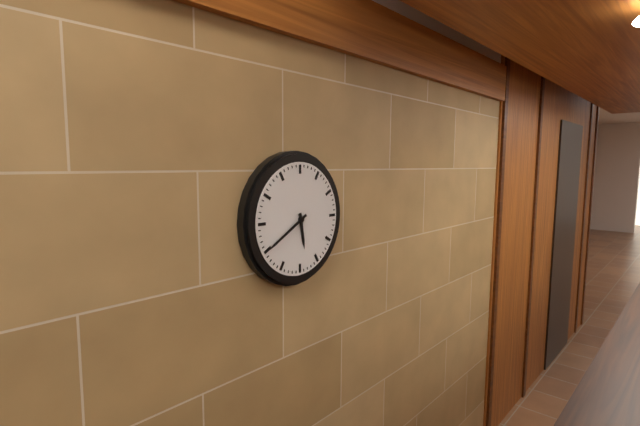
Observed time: 5:40
